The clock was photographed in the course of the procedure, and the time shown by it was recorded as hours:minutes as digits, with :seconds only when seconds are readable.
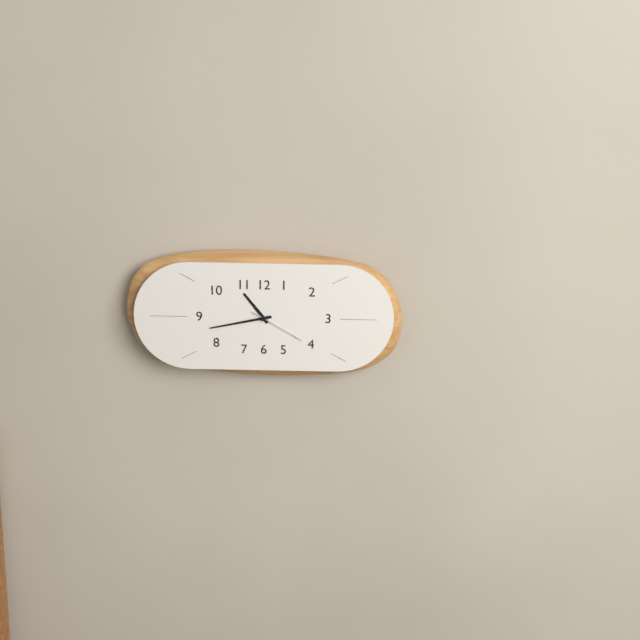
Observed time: 10:43:20
